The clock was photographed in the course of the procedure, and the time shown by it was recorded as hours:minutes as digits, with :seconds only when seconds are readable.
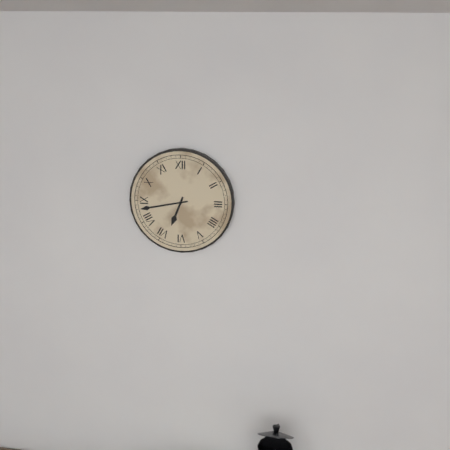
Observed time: 6:43
